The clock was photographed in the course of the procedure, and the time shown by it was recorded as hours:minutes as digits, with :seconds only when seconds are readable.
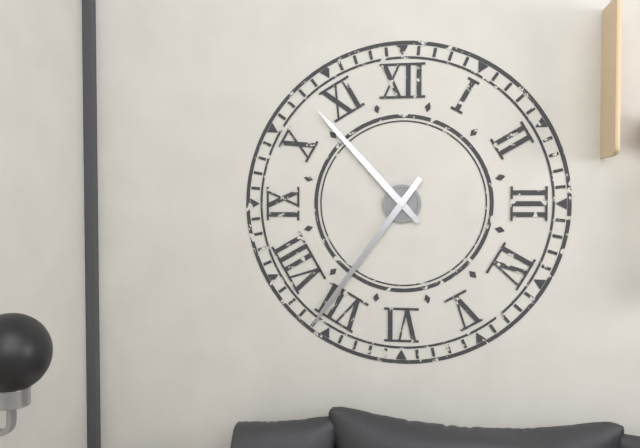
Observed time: 10:36
